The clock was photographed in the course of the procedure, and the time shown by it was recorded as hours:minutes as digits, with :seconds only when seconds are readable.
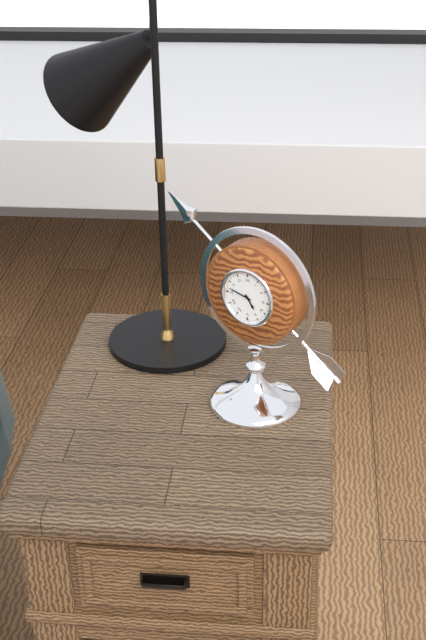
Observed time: 4:47
